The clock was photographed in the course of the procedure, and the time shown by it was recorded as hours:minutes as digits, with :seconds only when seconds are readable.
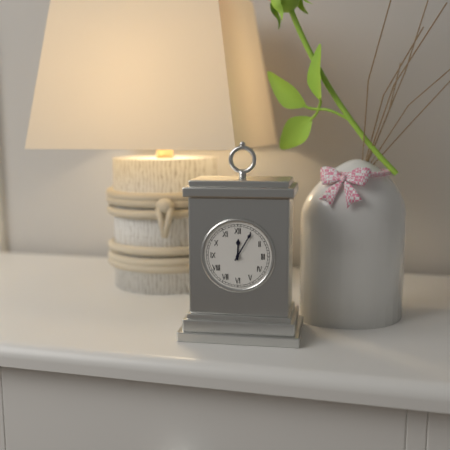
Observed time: 12:05
